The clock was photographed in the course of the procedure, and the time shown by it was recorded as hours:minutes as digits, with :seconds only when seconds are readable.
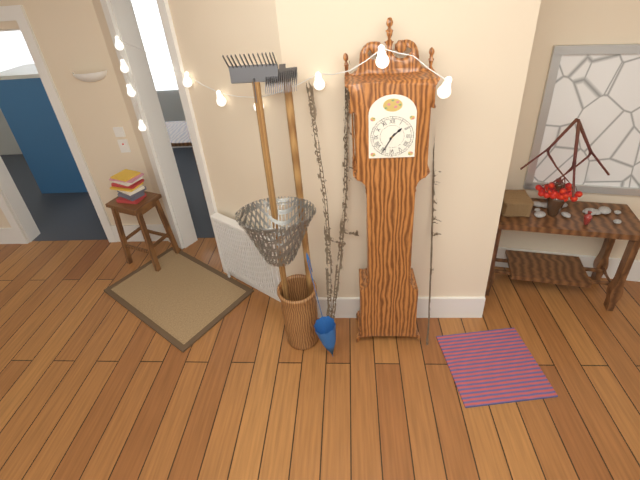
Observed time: 1:35
